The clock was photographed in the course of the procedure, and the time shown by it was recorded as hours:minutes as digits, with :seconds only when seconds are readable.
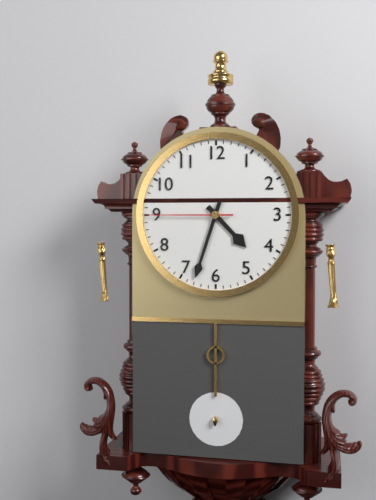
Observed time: 4:33:45
